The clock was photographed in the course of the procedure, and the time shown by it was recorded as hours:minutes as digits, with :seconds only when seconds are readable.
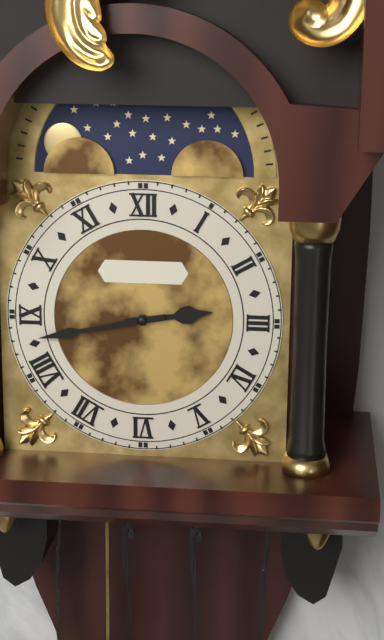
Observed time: 2:43
